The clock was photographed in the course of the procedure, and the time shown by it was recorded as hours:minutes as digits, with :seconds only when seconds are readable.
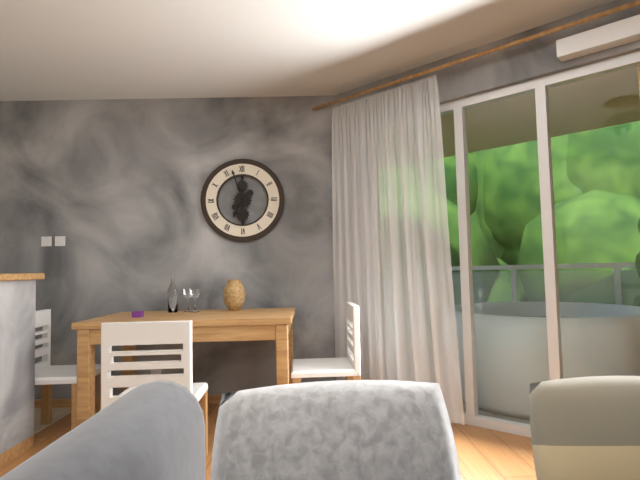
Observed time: 6:57
